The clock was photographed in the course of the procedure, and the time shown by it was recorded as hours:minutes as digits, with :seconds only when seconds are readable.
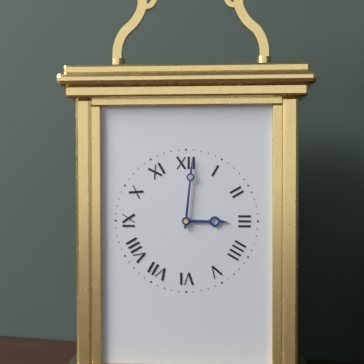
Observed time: 3:01
